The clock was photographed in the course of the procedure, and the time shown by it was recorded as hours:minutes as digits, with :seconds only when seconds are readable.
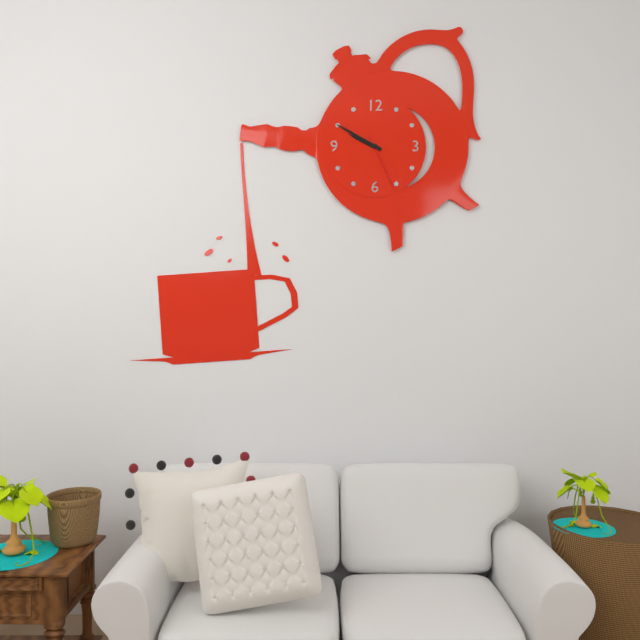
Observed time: 9:50:26
